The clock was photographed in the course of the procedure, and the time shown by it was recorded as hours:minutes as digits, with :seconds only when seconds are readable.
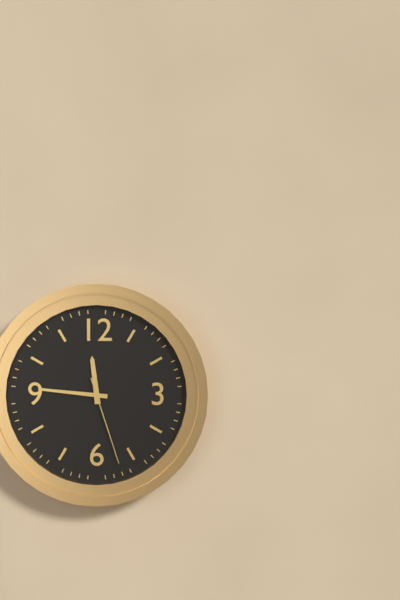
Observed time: 11:46:27
